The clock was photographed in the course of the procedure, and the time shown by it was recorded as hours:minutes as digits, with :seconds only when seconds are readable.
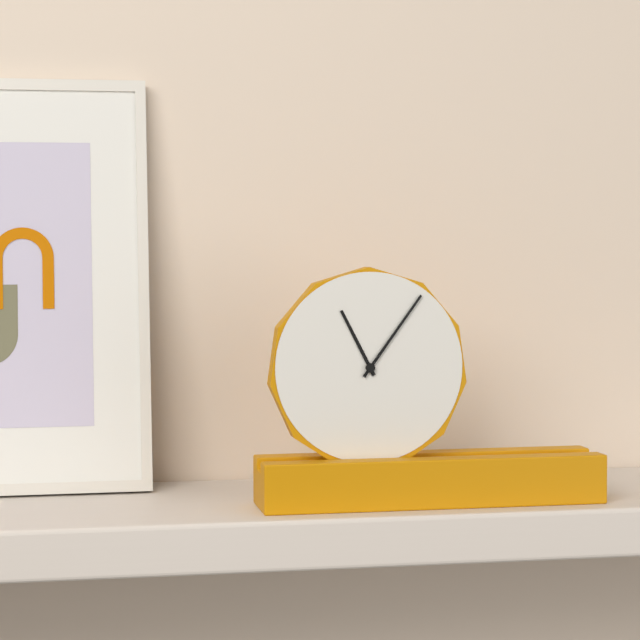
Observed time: 11:06
